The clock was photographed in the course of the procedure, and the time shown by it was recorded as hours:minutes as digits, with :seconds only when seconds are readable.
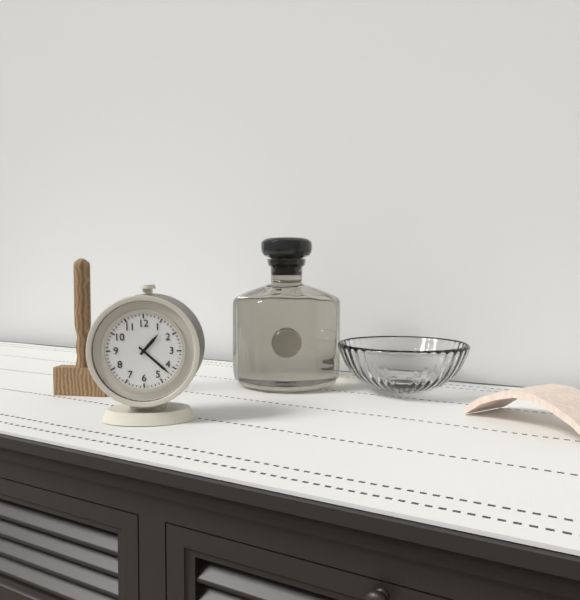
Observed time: 1:22
